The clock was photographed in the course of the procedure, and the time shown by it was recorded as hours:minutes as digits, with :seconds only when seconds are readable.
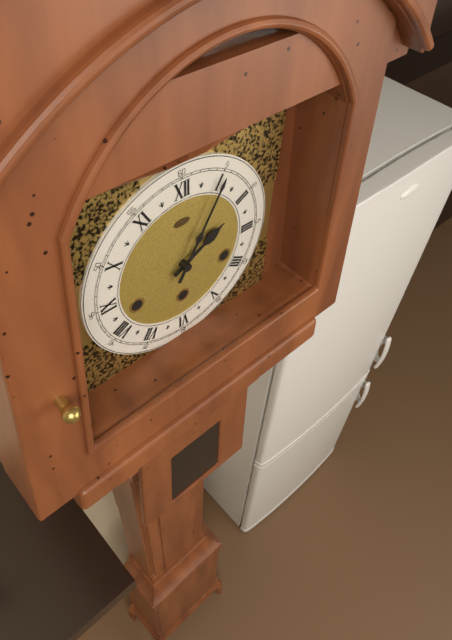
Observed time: 2:05
